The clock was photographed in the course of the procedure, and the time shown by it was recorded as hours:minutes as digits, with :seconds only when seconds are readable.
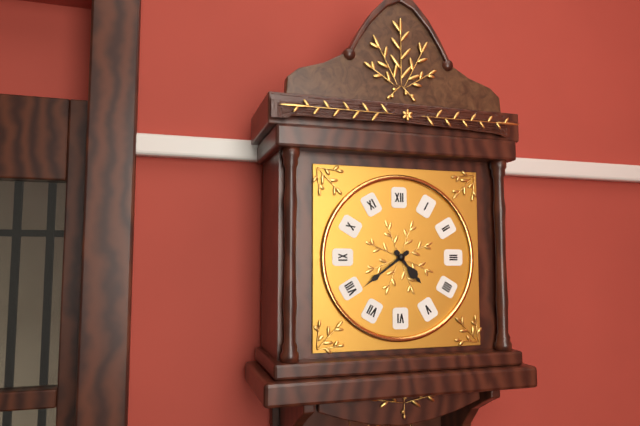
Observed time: 4:39
